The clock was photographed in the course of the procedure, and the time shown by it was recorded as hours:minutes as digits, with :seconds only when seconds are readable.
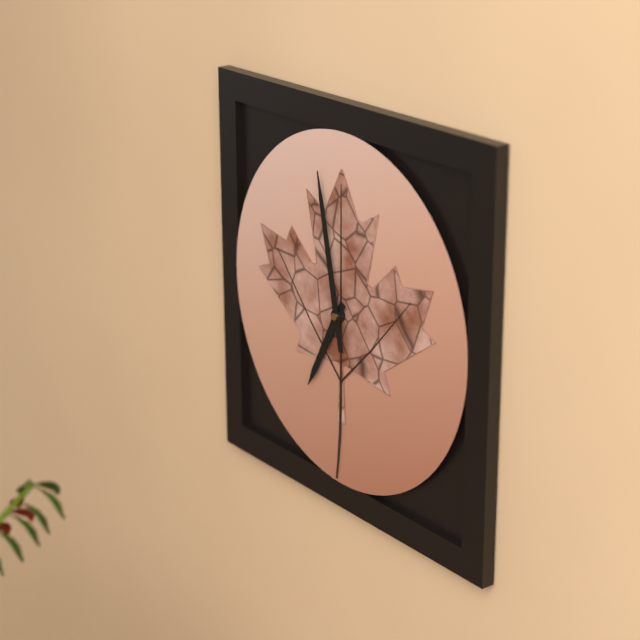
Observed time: 6:58
